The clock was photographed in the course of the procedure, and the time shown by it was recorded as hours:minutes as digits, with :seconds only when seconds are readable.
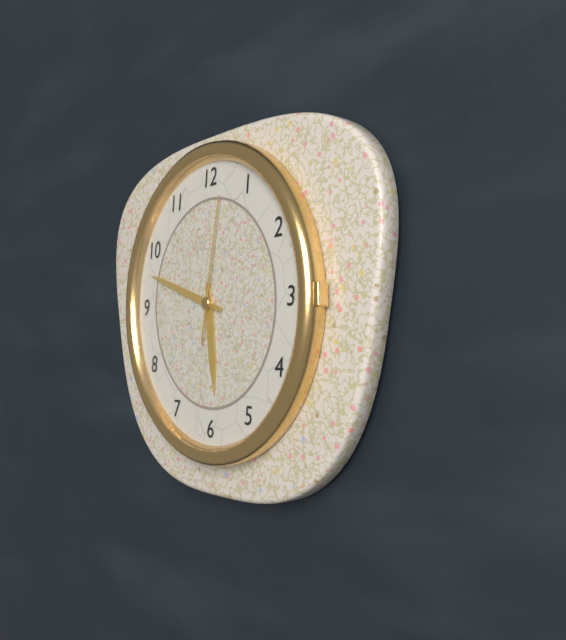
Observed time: 5:48:02
